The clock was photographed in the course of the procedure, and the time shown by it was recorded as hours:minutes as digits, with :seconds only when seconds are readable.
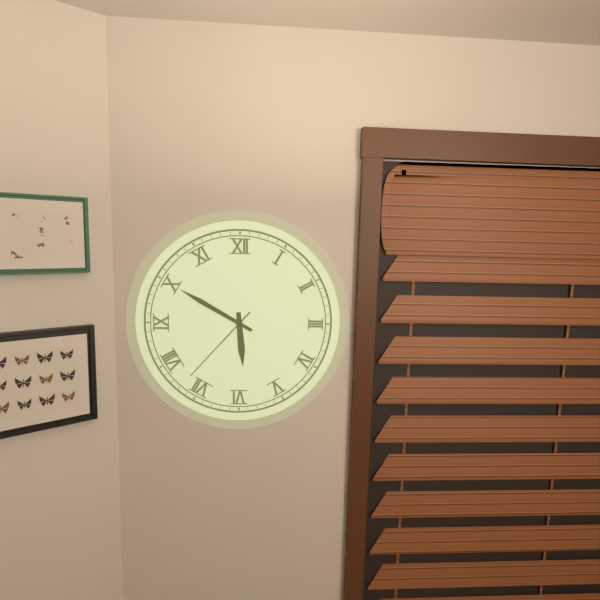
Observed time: 5:50:37
